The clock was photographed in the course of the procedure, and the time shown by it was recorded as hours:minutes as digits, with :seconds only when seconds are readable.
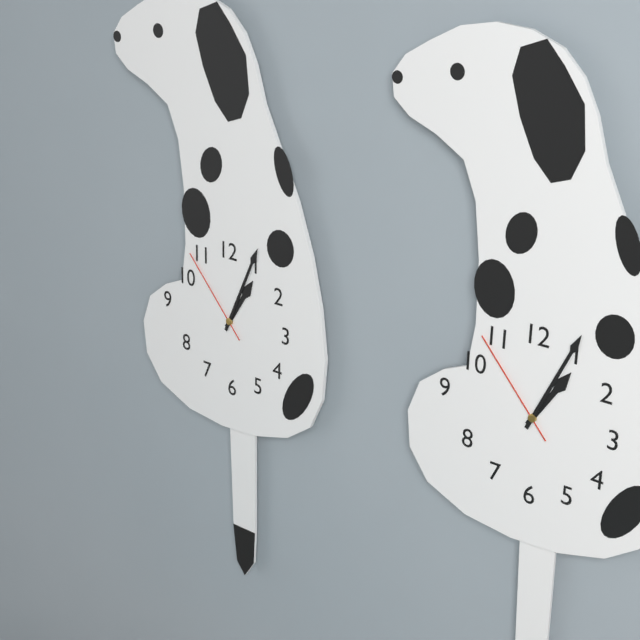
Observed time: 1:04:53
